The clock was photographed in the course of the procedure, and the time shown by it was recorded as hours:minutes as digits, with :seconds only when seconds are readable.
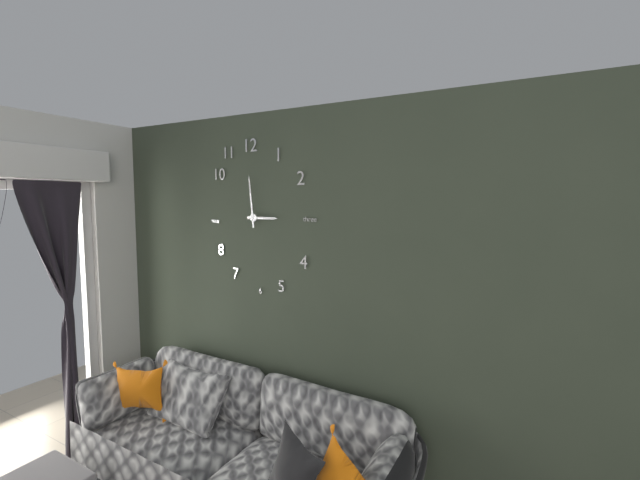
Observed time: 2:59
